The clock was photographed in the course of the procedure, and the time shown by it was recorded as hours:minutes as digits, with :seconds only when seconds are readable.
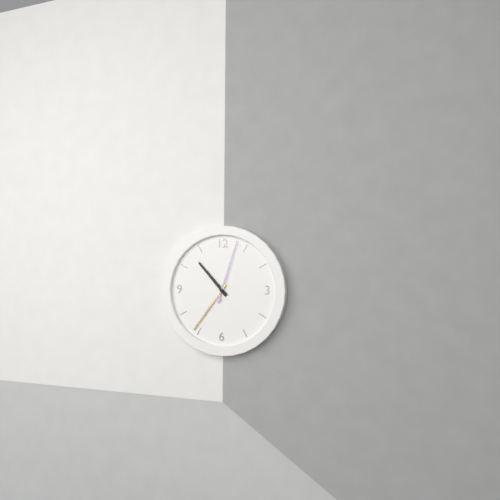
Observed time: 10:36:03
